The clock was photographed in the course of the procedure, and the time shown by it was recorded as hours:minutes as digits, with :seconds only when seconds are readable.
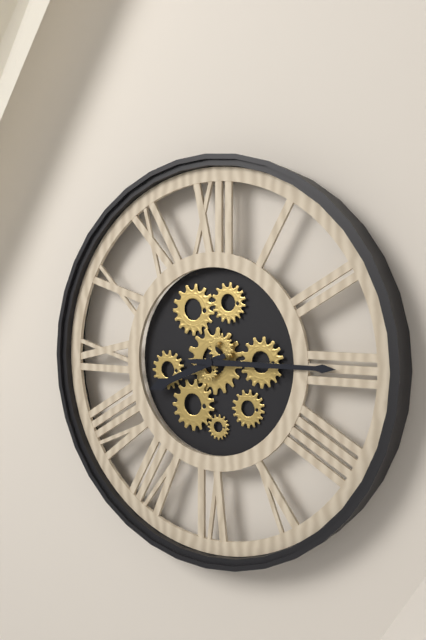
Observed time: 8:15
